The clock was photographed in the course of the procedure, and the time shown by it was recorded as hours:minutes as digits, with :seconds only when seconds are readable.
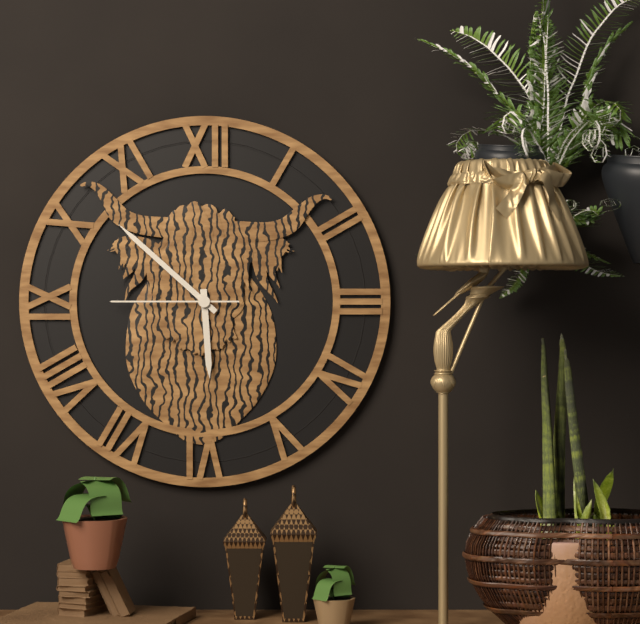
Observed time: 5:52:45
